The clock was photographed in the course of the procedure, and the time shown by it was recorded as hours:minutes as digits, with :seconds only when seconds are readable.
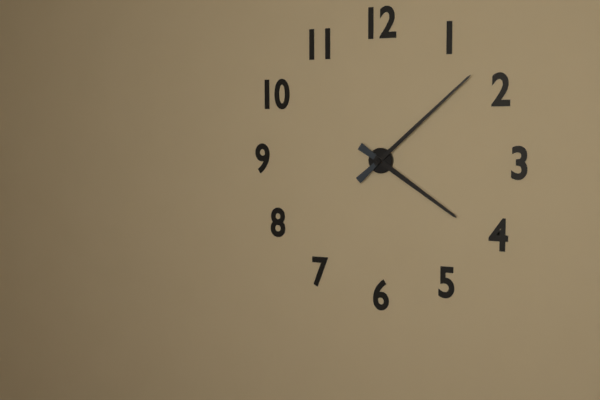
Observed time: 4:08
